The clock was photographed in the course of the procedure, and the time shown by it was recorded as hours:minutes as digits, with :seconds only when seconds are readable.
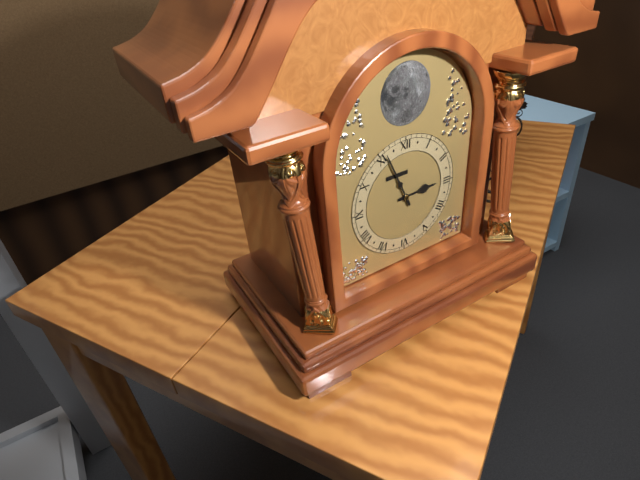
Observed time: 2:56
